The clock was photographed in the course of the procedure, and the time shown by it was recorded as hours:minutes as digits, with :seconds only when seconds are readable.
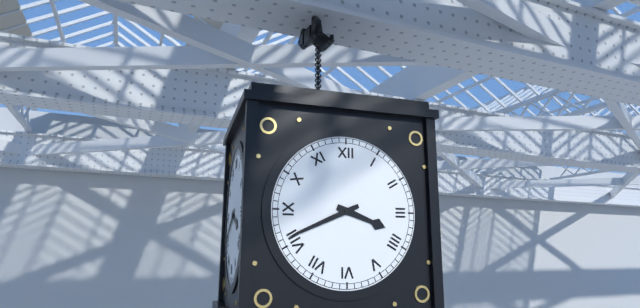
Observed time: 3:41
